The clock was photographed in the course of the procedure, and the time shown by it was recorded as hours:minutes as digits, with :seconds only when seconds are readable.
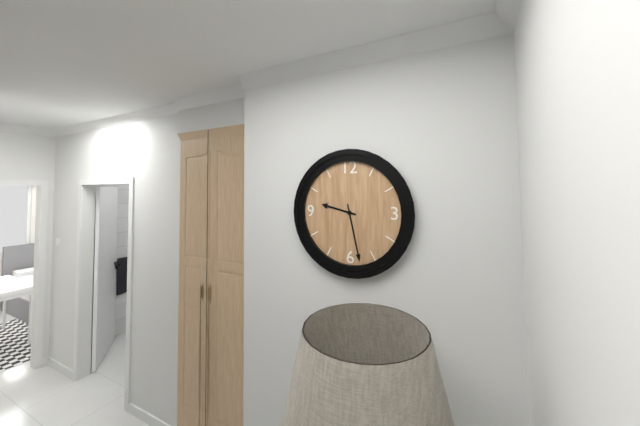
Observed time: 9:28
